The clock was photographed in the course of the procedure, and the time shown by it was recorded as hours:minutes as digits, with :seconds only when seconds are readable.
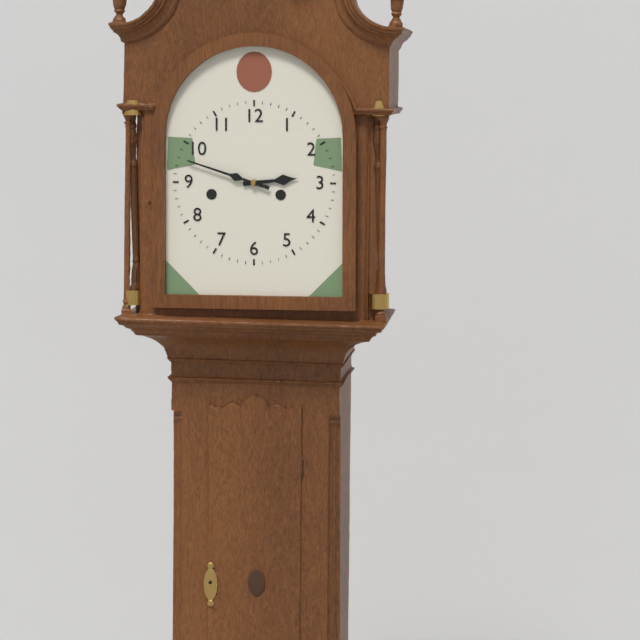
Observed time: 2:48
